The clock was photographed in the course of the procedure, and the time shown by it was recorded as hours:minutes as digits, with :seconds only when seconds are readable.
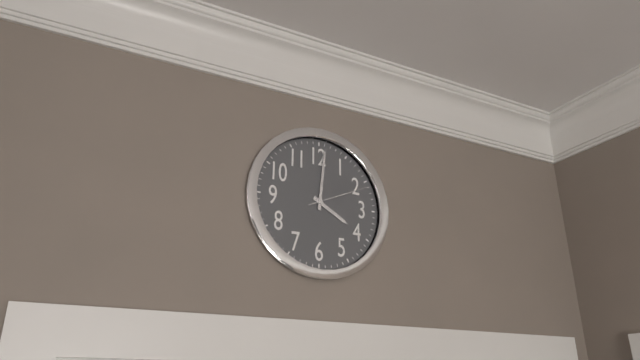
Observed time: 4:01:11
